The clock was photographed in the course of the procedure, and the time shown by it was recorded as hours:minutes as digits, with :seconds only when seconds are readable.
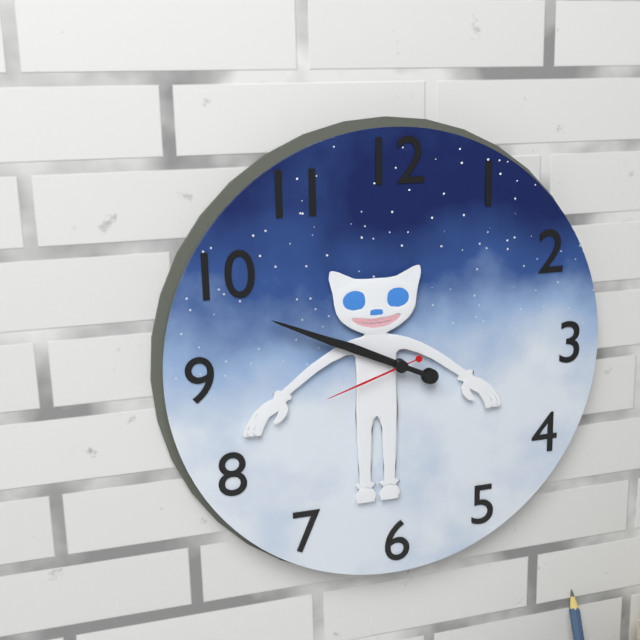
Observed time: 9:49:42
